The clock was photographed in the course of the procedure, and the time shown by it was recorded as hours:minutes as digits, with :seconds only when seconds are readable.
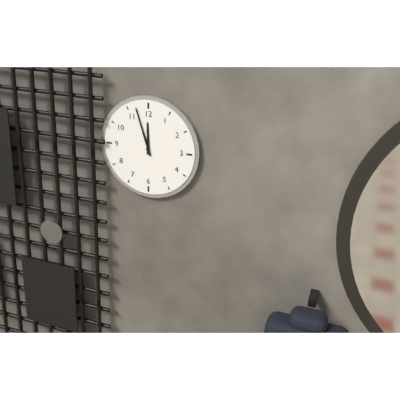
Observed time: 11:57
